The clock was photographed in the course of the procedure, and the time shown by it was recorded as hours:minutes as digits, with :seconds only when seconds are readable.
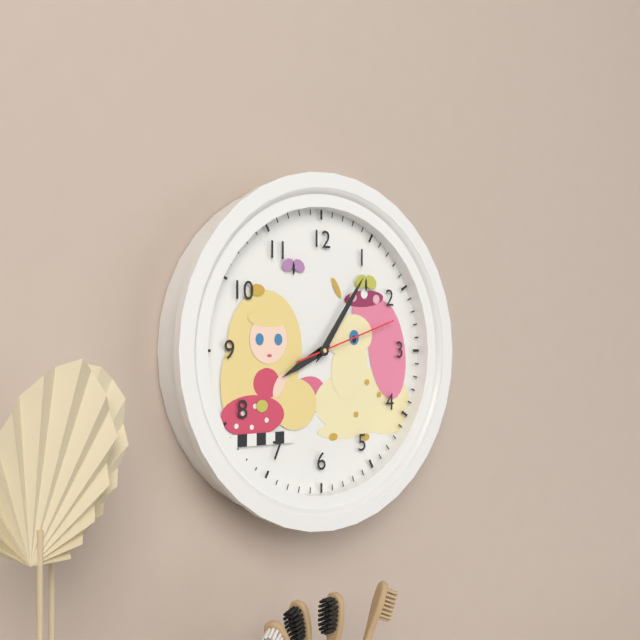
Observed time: 8:06:12
